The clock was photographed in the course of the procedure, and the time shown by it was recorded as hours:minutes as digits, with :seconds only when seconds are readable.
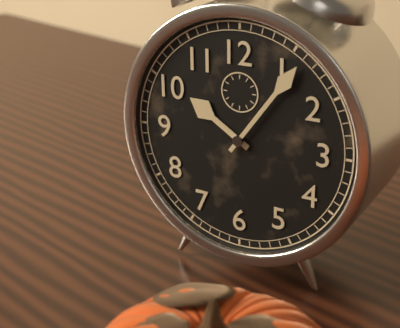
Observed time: 10:06
